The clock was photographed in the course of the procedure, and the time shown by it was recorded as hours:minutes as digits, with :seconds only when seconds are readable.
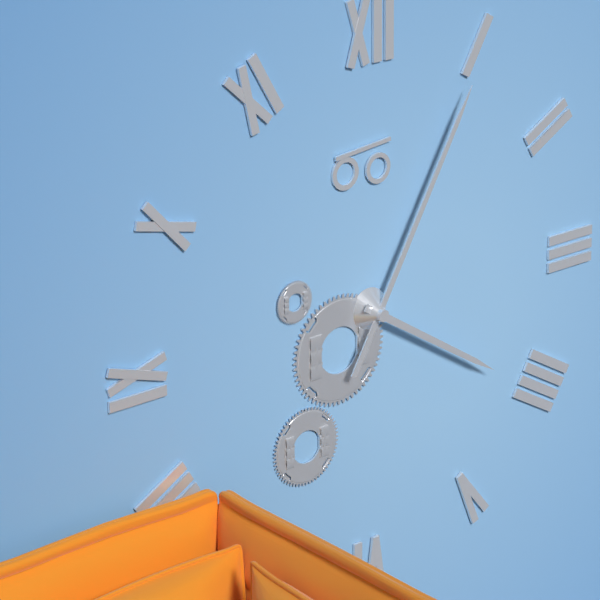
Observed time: 4:05
